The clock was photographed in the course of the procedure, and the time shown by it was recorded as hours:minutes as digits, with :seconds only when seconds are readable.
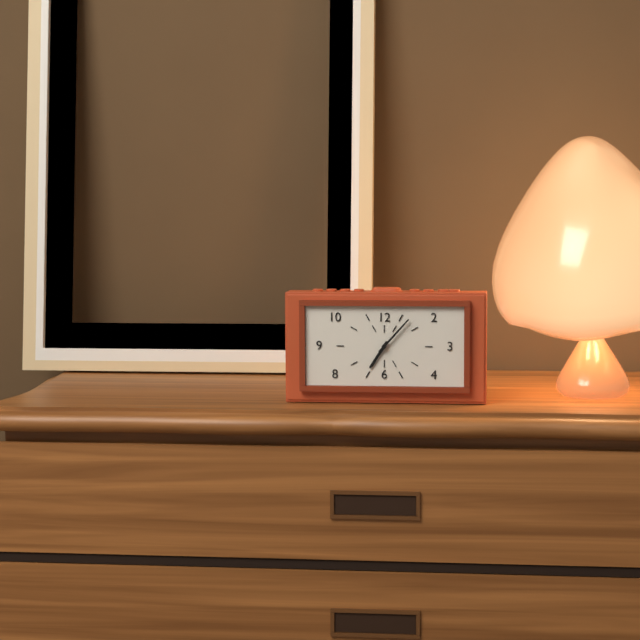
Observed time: 7:07
